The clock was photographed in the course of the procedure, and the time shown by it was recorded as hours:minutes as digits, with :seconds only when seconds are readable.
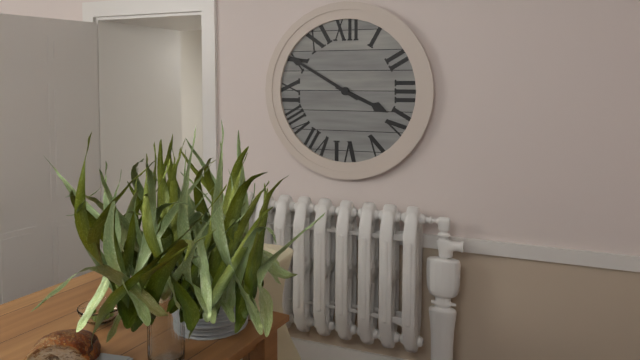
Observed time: 3:50
